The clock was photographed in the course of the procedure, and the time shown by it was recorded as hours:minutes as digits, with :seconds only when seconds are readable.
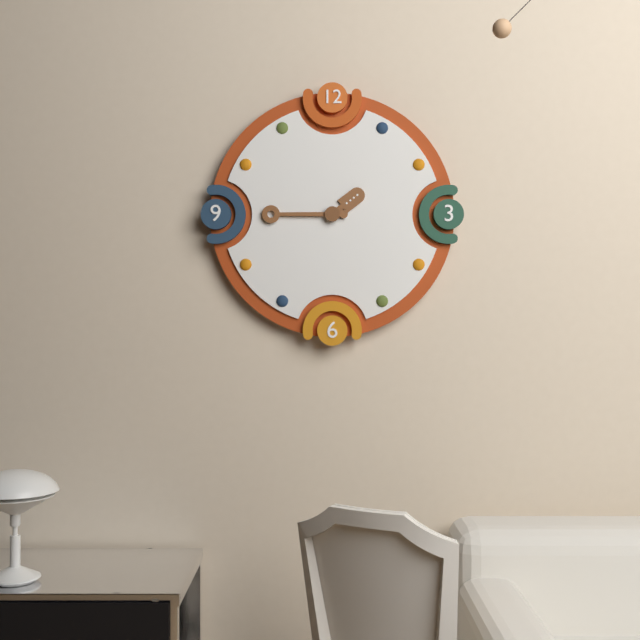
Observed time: 1:45
